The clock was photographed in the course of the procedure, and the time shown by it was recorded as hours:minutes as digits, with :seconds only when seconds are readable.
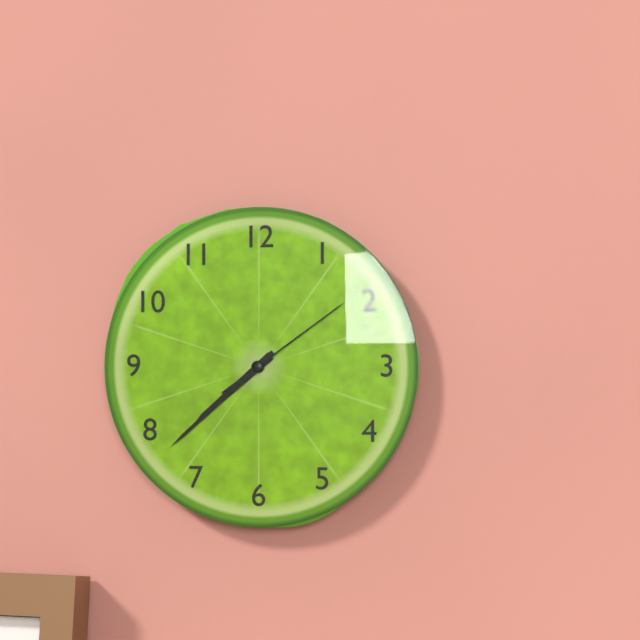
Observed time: 7:38:09
